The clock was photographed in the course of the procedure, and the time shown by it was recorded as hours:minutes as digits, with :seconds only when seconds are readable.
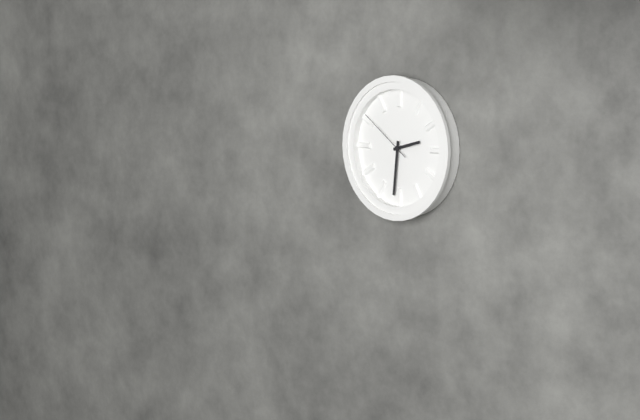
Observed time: 2:31:51
